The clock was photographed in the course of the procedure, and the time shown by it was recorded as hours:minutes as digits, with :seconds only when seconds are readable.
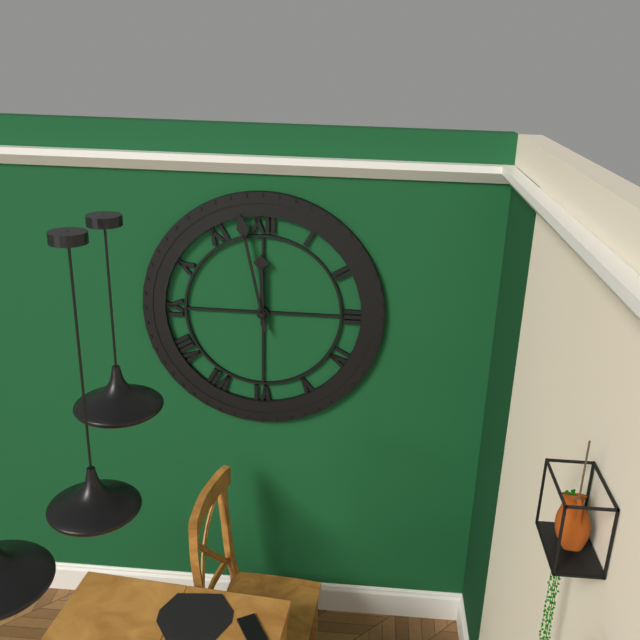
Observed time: 11:58
